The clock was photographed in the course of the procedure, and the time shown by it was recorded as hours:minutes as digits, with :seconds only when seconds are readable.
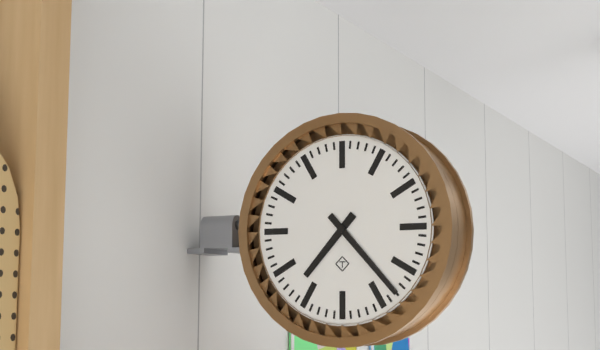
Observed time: 7:23
